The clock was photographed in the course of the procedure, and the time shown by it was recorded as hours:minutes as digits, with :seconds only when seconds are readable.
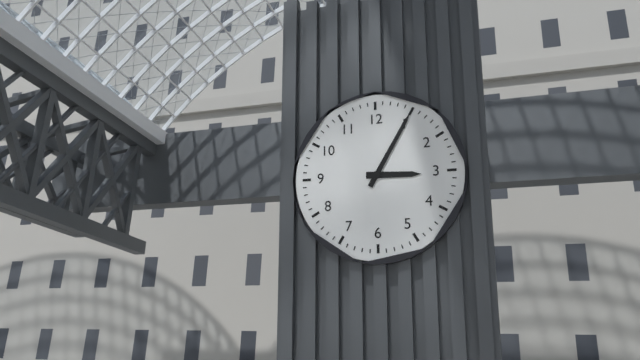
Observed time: 3:05
